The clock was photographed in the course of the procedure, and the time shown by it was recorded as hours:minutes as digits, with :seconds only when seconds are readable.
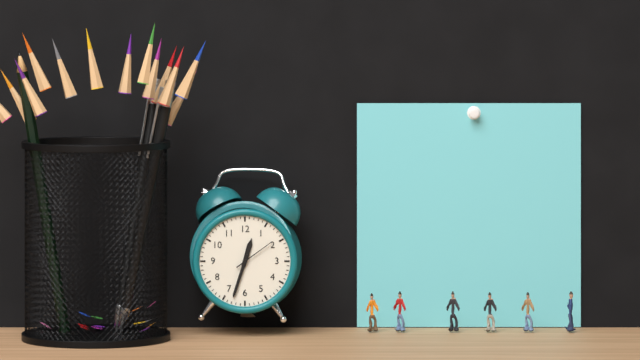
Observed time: 12:33
